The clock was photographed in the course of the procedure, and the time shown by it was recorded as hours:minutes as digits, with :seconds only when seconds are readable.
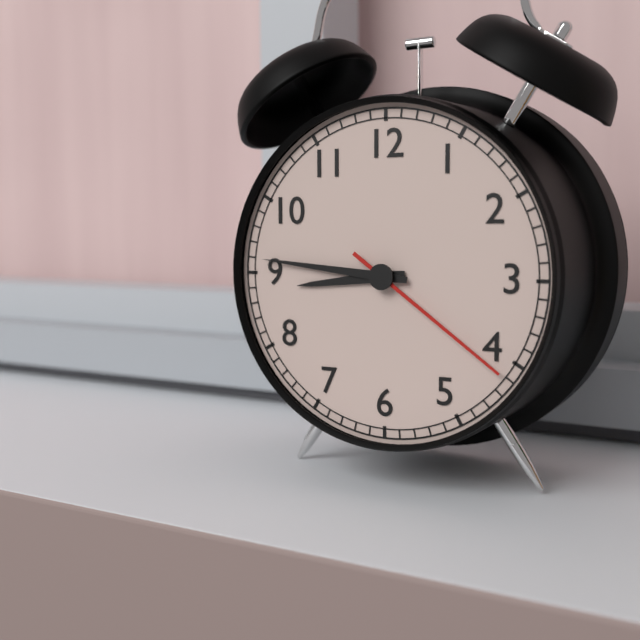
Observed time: 8:46:21
